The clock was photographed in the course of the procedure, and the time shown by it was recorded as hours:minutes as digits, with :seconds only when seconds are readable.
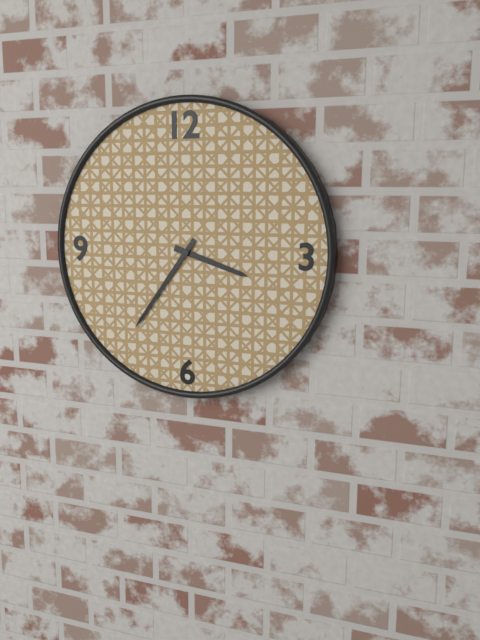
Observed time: 3:36
